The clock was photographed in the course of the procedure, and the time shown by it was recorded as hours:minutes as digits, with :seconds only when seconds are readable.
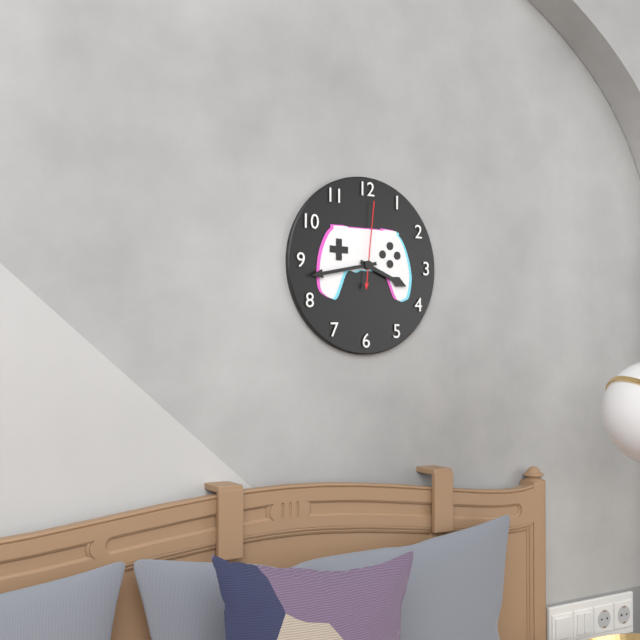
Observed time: 3:43:01
